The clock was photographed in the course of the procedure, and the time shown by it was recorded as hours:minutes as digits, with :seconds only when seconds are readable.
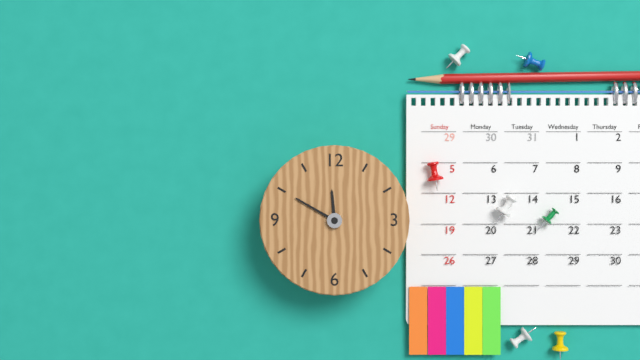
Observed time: 11:50
